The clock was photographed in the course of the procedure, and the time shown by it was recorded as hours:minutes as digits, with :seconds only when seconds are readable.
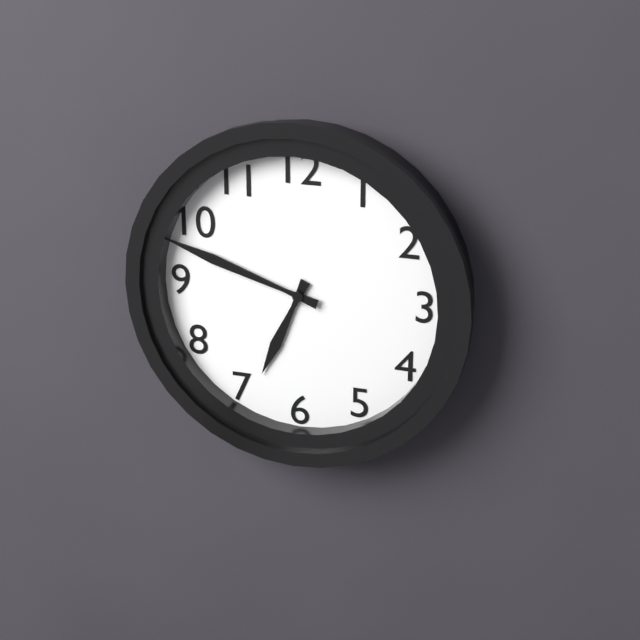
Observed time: 6:48
